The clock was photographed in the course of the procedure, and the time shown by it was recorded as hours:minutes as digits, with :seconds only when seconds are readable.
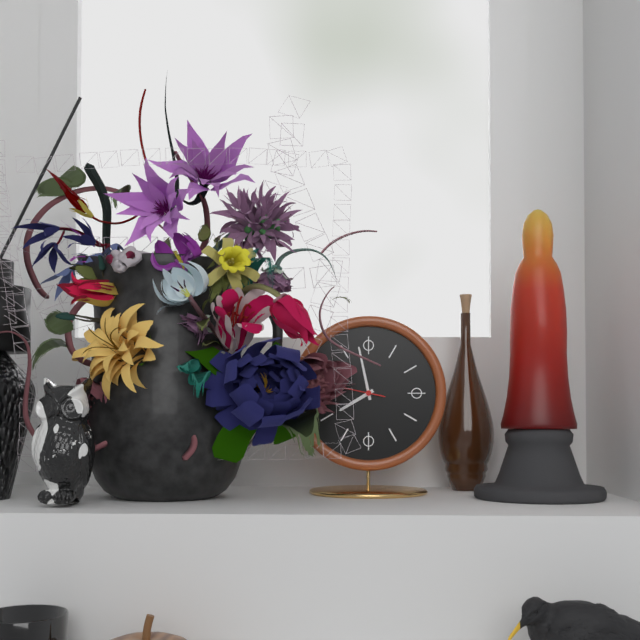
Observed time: 7:58
